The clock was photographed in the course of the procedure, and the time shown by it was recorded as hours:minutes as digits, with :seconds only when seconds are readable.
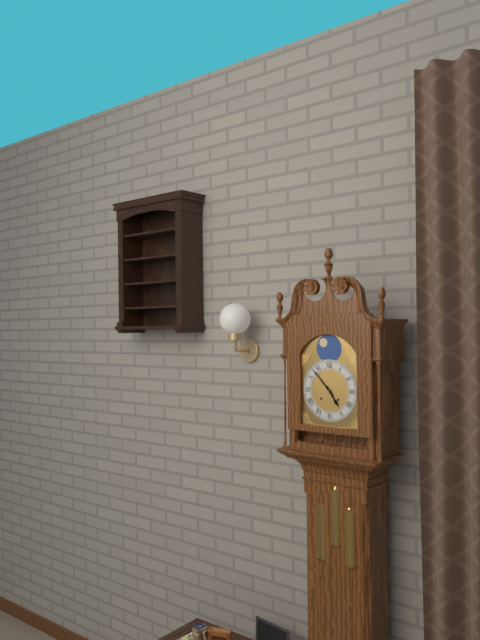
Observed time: 4:53
